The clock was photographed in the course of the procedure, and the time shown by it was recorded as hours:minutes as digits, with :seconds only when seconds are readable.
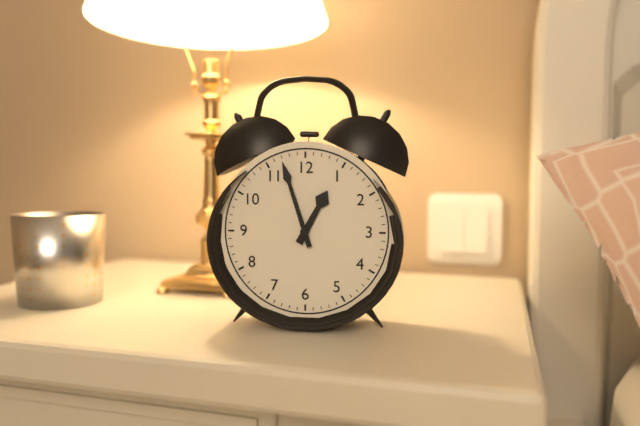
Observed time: 12:57
